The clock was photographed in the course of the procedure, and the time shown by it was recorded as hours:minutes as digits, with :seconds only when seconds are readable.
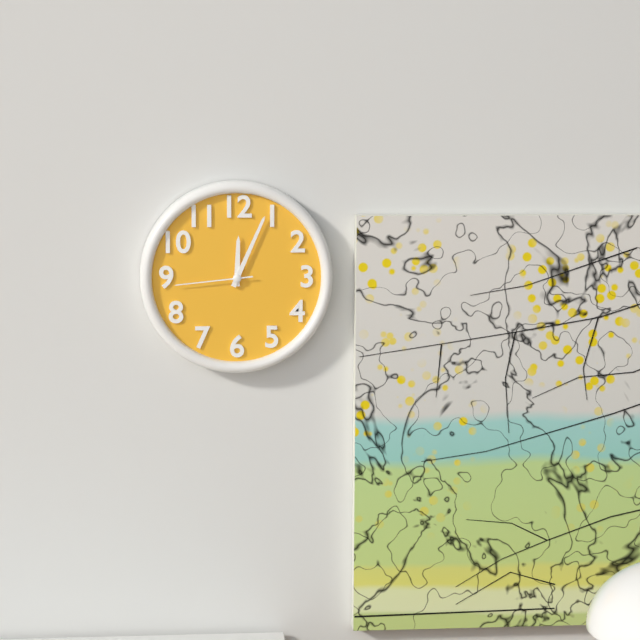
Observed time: 12:04:44
